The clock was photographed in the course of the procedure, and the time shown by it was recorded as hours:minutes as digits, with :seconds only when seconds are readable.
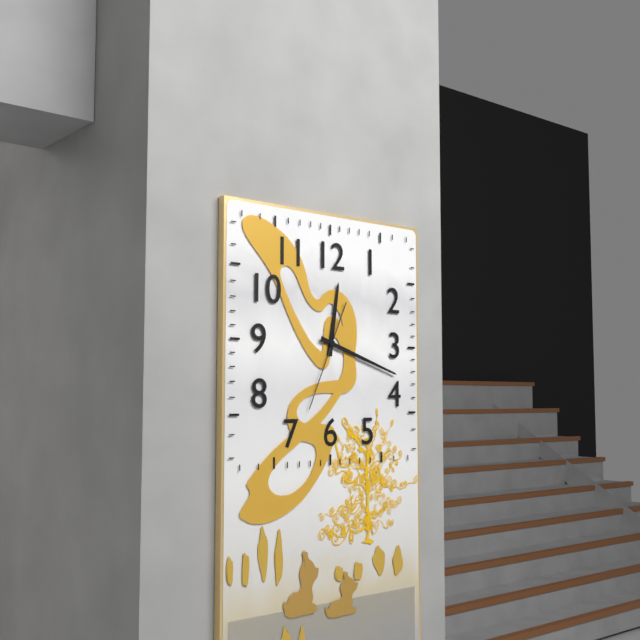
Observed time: 12:18:34
